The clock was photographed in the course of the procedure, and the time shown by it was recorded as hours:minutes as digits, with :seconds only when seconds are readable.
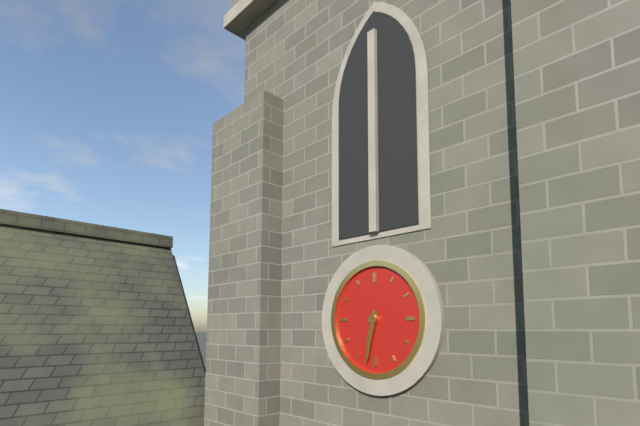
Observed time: 6:32
